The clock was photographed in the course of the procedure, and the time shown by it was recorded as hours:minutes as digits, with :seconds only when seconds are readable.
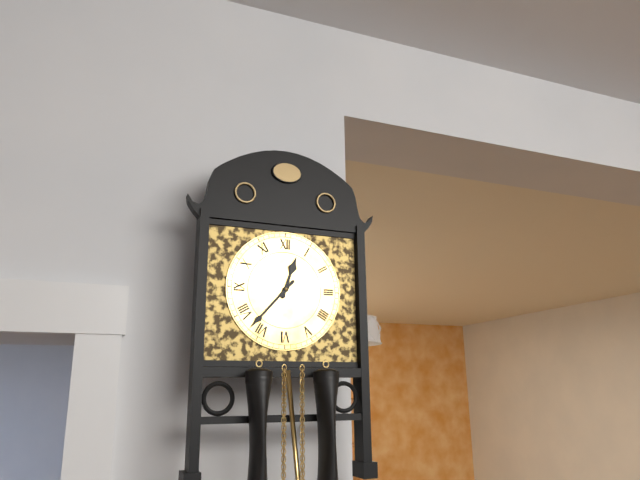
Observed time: 12:37
